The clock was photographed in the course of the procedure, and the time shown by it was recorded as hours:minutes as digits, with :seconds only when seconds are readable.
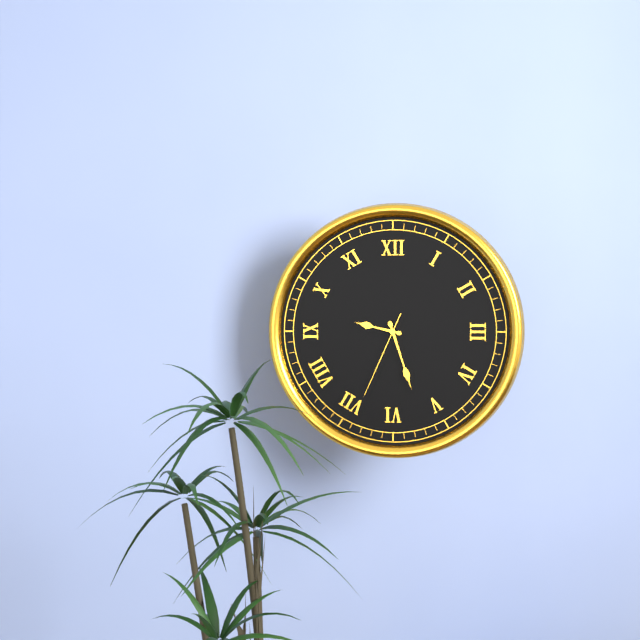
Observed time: 9:27:34
